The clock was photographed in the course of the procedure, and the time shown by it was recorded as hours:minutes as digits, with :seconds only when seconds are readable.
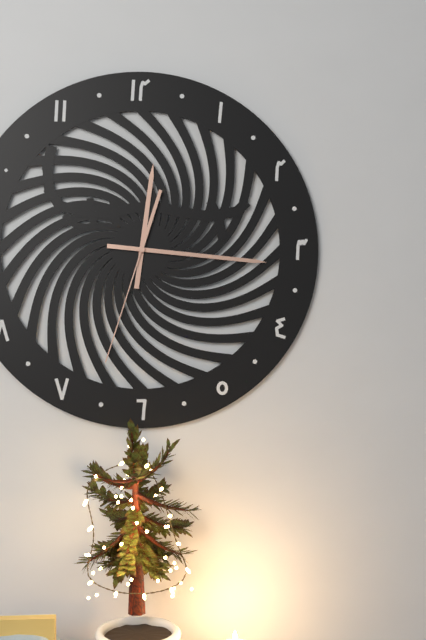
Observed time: 12:16:33
